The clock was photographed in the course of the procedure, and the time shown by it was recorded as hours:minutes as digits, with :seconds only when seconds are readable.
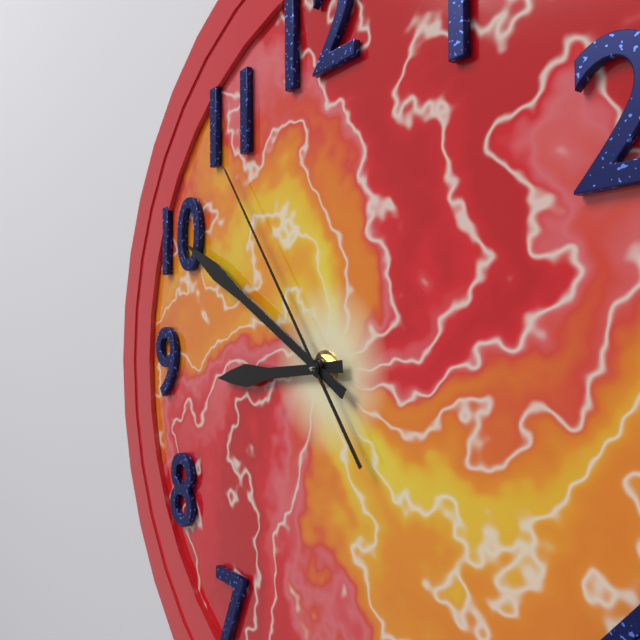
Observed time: 8:50:54
